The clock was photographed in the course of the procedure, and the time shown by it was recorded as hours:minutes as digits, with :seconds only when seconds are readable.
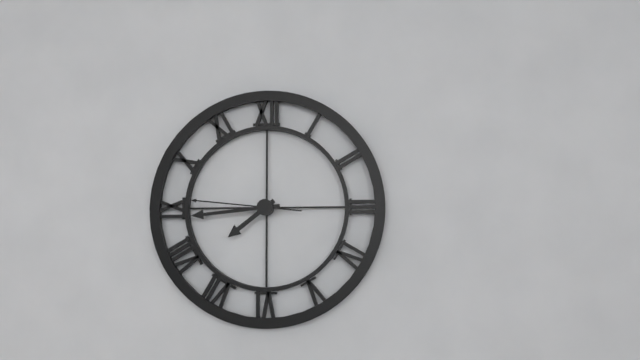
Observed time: 7:44:46
